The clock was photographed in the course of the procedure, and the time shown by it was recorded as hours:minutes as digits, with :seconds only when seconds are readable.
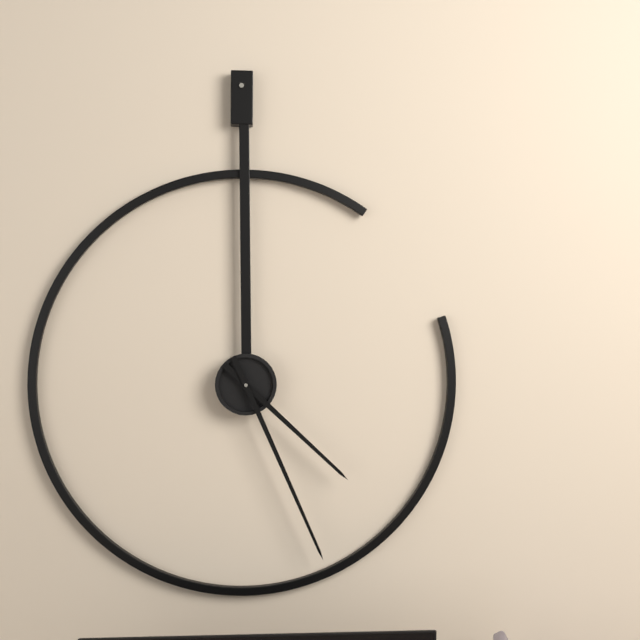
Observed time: 4:26
